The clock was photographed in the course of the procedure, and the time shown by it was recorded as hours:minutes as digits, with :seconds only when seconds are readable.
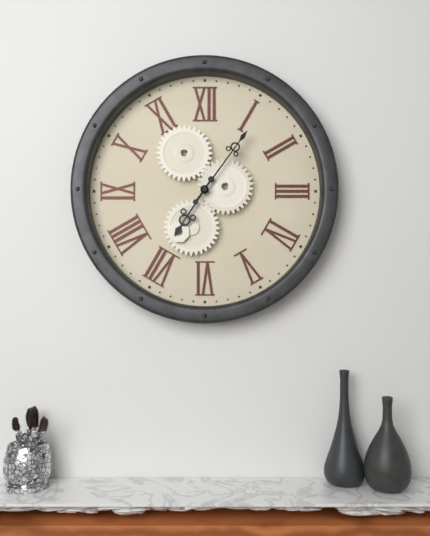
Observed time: 7:06
